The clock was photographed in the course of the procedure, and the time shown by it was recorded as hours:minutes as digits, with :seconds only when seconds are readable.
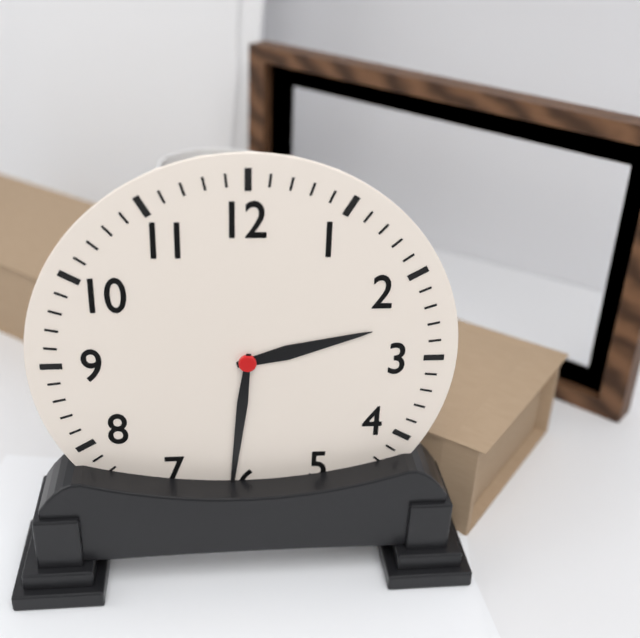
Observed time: 2:31
